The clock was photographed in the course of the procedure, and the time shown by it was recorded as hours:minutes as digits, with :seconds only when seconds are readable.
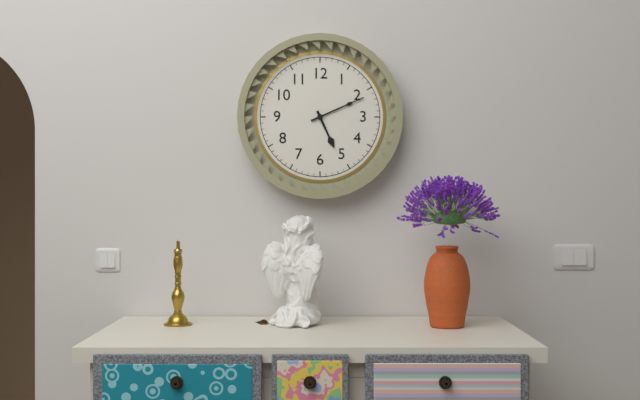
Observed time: 5:11
